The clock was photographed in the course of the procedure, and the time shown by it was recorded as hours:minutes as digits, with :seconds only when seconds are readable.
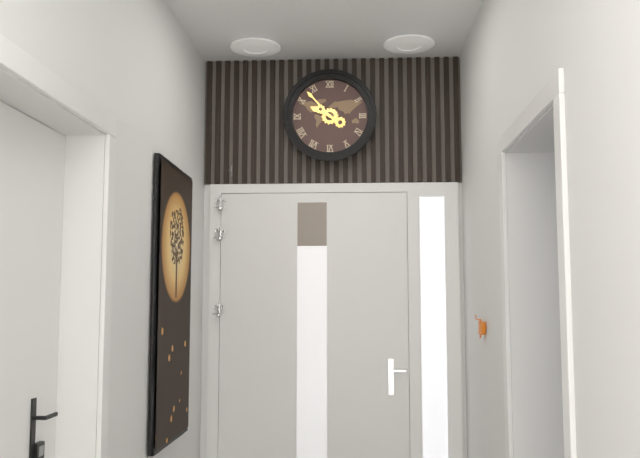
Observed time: 9:53
